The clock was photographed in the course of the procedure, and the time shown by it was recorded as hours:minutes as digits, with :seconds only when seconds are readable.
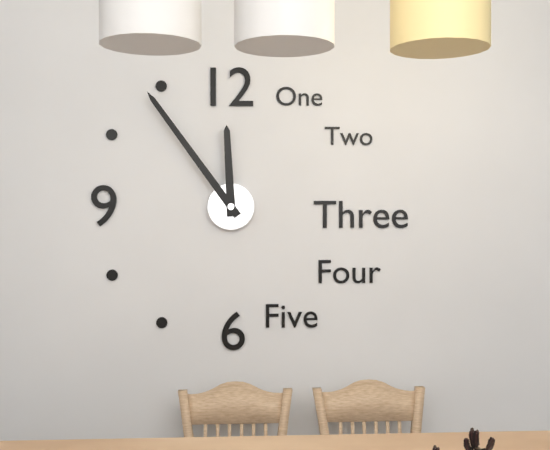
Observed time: 11:54
